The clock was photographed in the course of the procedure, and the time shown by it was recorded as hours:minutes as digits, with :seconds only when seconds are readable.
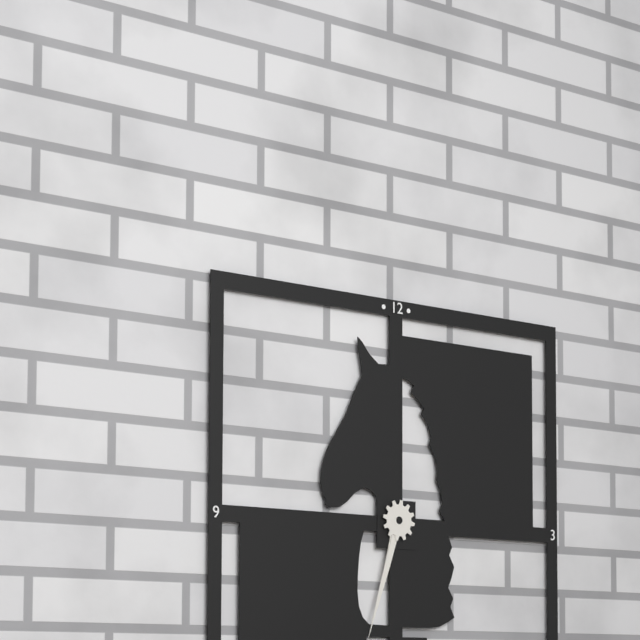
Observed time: 6:33
